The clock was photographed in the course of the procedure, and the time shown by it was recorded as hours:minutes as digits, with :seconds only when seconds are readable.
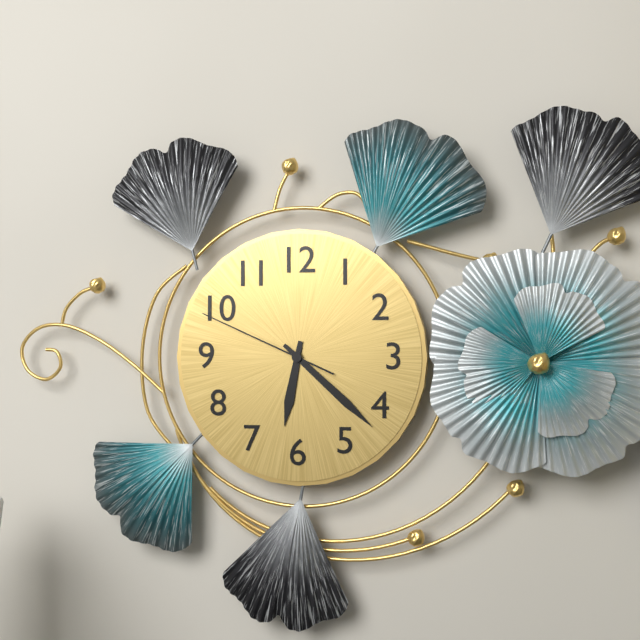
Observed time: 6:22:49
